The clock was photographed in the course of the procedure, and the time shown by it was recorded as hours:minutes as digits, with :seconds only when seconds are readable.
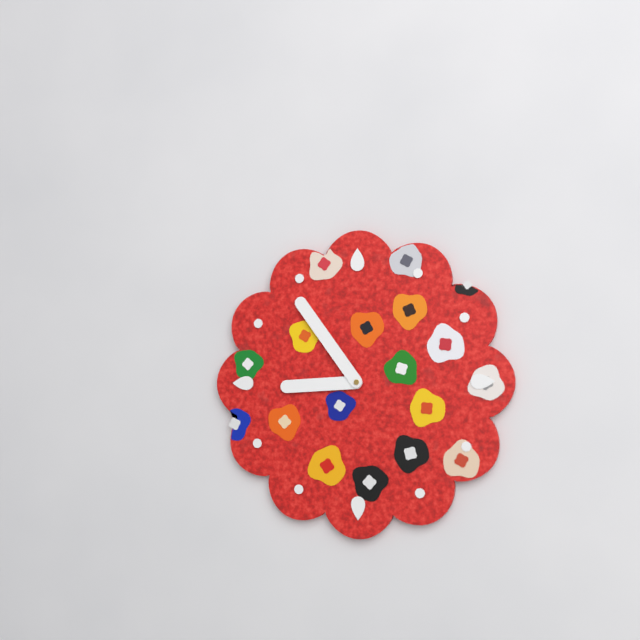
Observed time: 8:54
